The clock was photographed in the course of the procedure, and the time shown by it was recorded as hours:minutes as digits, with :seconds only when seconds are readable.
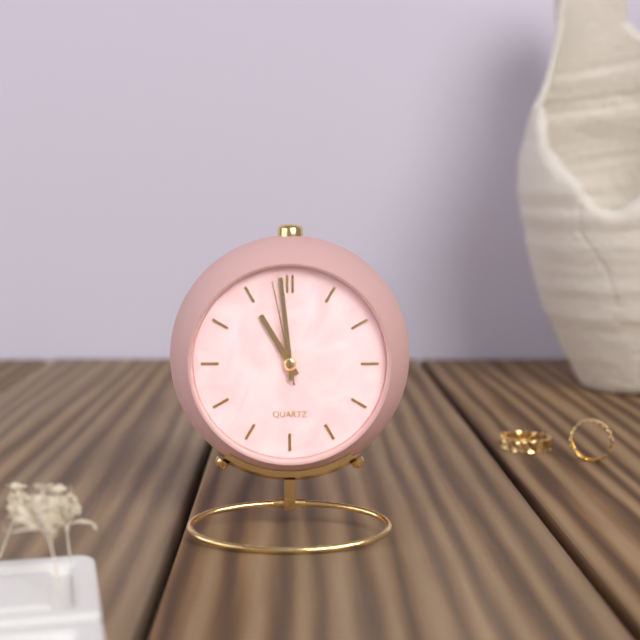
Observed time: 10:59:58
